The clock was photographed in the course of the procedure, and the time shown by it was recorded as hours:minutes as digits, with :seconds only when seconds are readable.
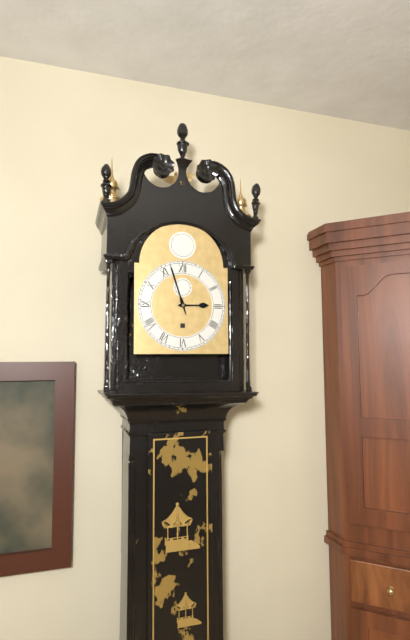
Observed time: 2:57
